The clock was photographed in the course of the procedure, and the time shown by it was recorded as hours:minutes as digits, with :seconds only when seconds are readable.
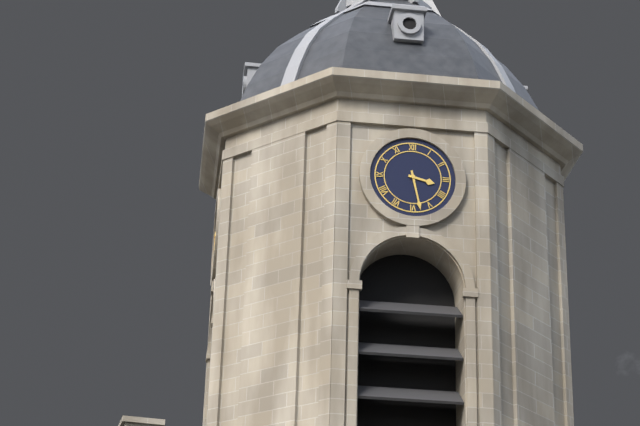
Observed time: 3:28
